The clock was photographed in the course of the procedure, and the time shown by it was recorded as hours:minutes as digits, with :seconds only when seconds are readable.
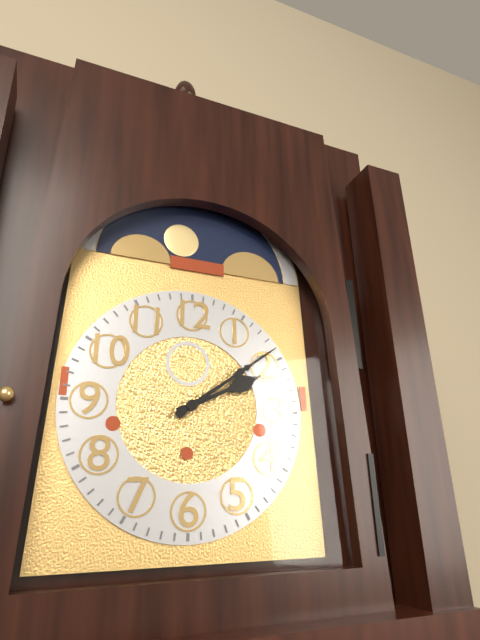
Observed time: 2:09
